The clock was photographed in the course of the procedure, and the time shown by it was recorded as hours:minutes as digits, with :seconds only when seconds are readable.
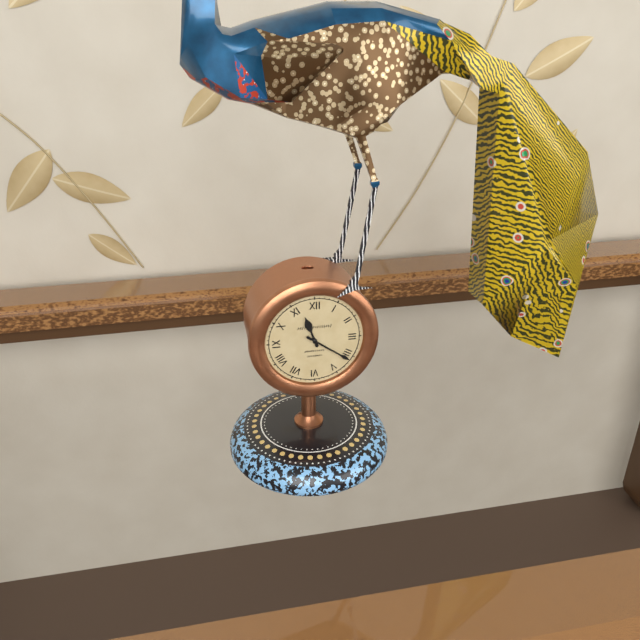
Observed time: 11:21
